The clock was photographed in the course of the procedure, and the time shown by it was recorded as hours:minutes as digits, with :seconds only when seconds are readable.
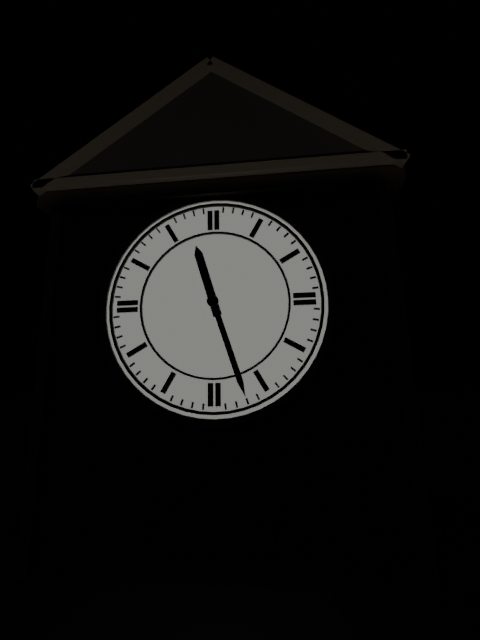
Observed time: 11:27
